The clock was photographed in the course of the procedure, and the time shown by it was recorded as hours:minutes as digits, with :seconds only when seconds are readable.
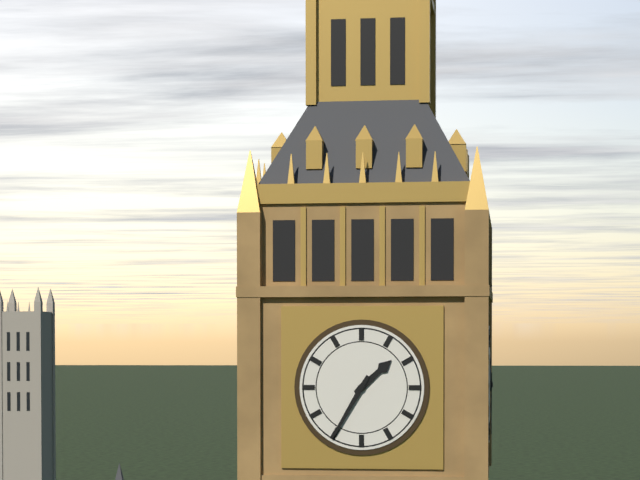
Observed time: 1:35
